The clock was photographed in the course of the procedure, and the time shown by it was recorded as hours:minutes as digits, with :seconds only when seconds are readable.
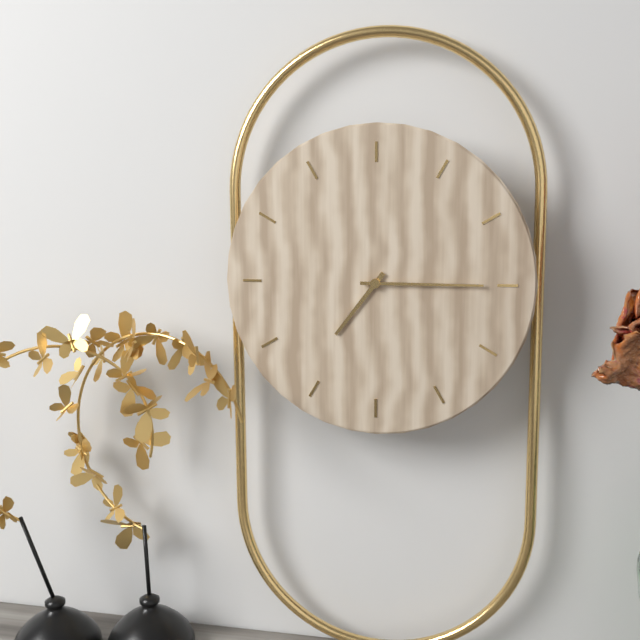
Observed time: 7:15
